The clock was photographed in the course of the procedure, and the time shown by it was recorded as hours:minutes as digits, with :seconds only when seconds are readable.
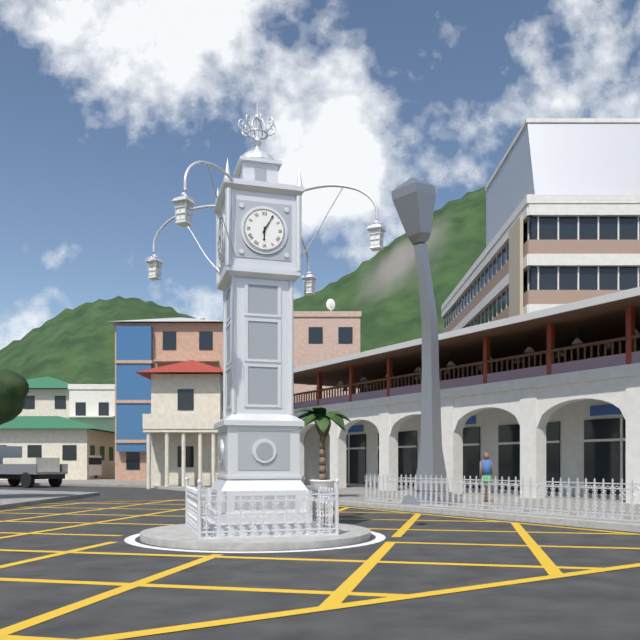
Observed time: 6:05
